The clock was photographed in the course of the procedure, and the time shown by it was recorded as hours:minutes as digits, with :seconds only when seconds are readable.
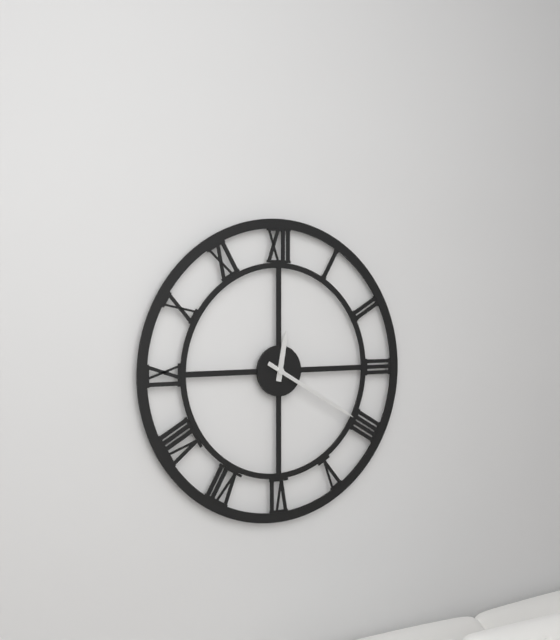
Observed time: 12:20
